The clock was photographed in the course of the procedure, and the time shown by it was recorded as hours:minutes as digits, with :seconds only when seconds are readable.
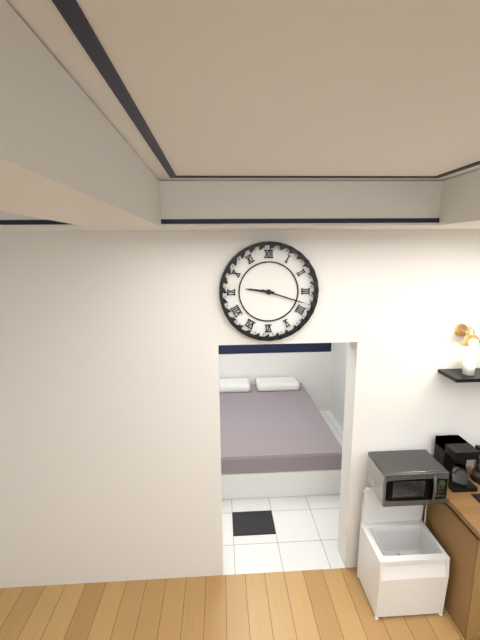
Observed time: 9:18
